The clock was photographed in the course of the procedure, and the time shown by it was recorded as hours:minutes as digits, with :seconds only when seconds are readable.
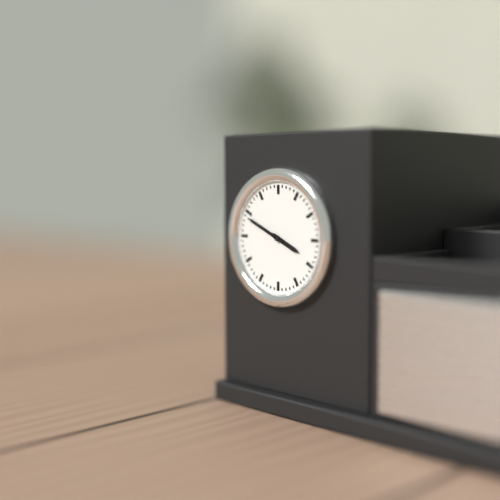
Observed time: 3:49
